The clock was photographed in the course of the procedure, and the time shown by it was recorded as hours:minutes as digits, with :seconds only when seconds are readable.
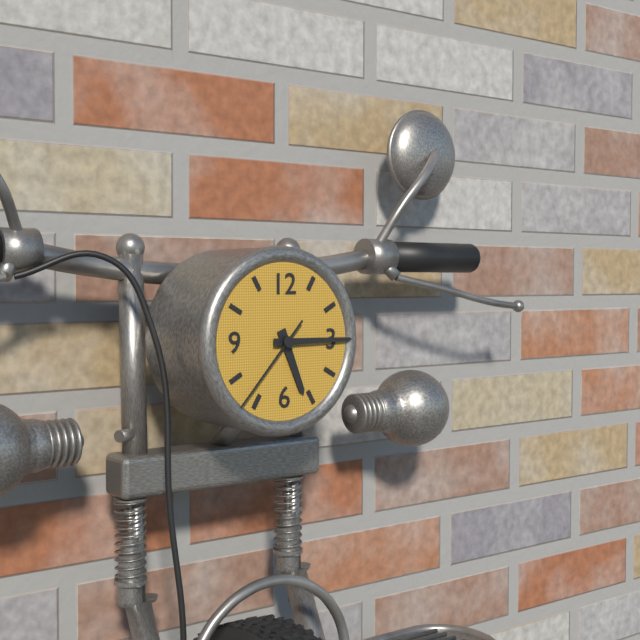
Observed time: 5:15:37
